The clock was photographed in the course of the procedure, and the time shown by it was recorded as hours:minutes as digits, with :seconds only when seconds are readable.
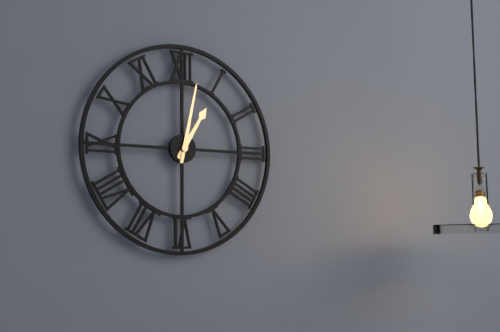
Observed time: 1:02
